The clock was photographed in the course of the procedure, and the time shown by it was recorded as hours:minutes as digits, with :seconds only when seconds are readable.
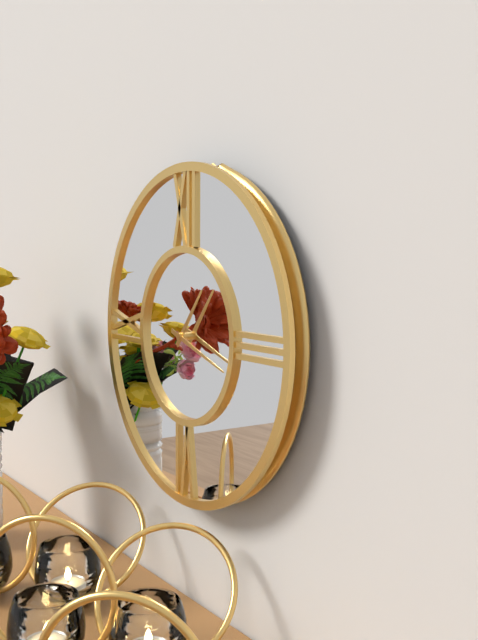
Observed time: 1:18
